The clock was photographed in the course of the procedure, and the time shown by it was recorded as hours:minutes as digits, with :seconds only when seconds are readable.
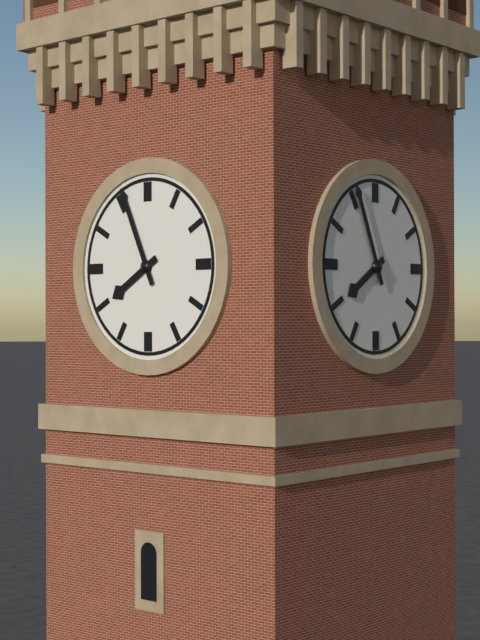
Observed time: 7:56
